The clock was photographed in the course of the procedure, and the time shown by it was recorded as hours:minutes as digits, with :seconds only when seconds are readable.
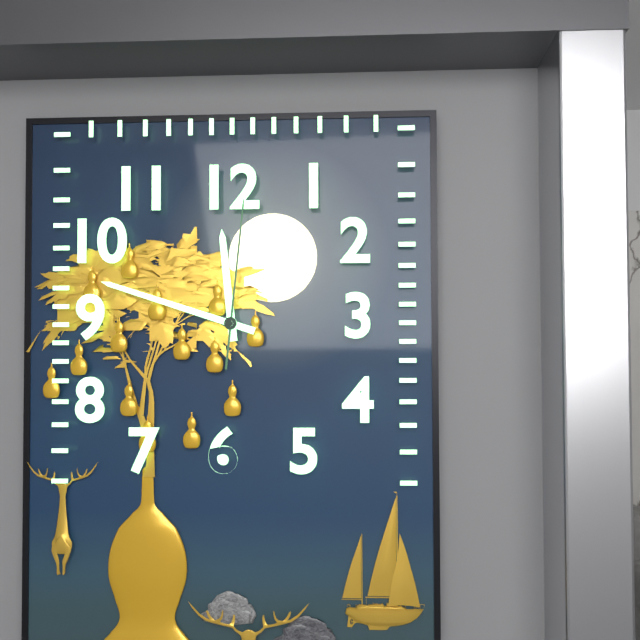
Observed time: 11:48:01
